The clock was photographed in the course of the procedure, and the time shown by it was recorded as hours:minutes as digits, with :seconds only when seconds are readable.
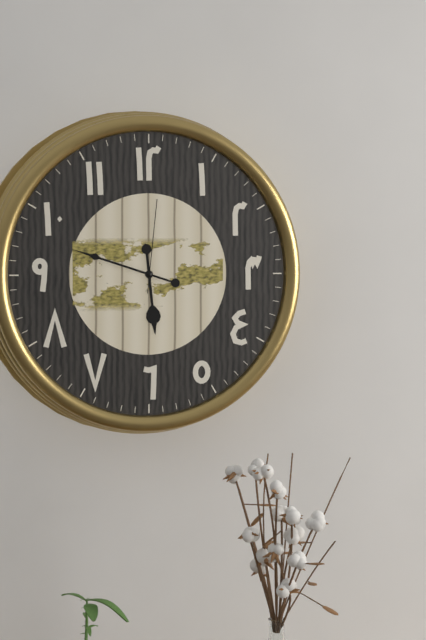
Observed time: 5:48:01
